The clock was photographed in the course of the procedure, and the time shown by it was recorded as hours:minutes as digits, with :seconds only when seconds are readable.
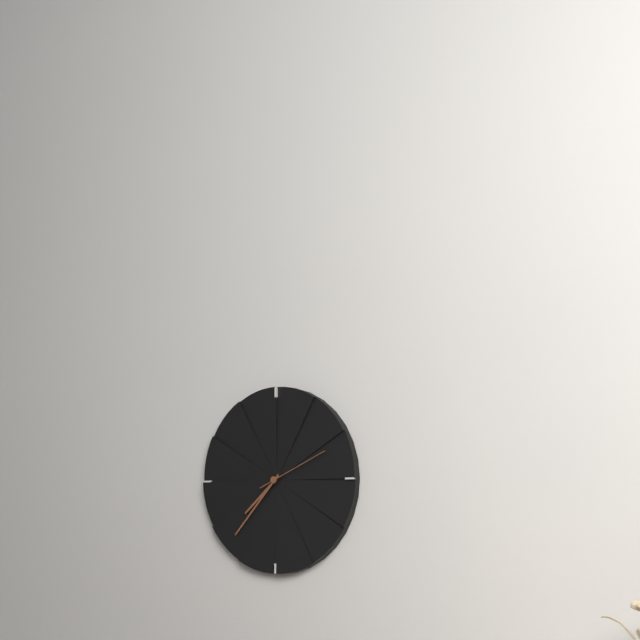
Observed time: 7:37:11
